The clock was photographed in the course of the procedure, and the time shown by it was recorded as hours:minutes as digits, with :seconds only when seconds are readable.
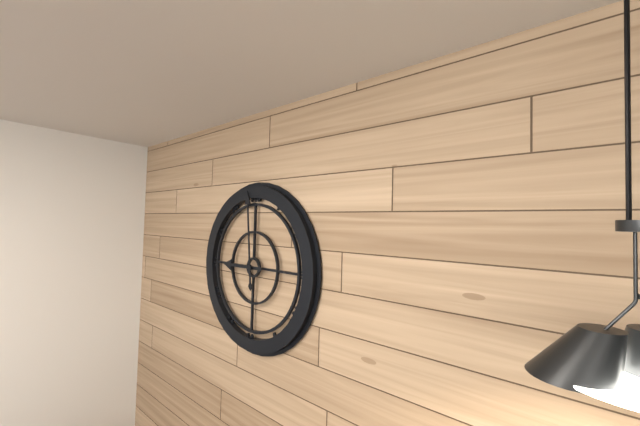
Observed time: 8:59
